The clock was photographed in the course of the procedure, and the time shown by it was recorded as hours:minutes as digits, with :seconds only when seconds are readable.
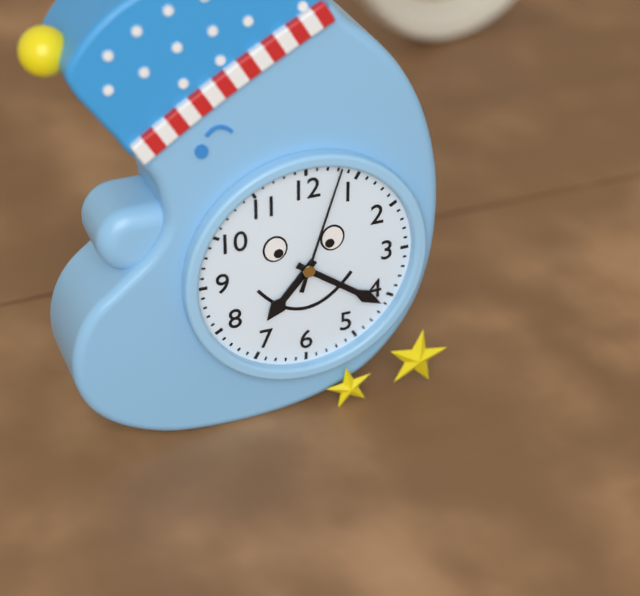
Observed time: 7:21:03
